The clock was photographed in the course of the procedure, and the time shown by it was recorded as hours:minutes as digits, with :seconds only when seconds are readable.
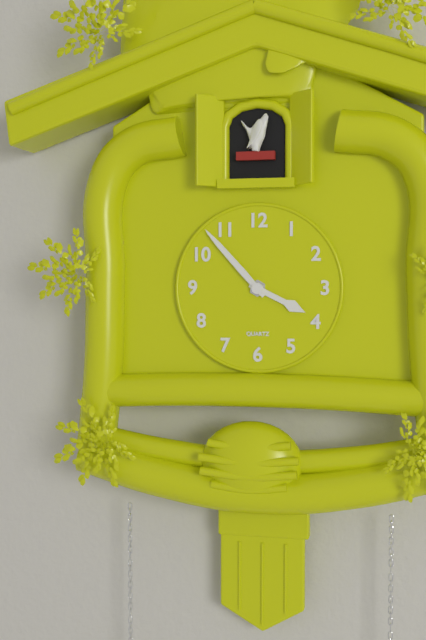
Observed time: 3:53
